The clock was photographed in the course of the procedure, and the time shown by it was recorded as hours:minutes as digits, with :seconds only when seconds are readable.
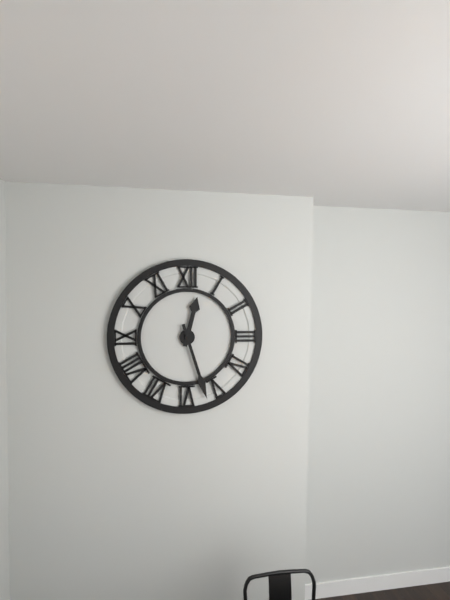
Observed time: 12:27
